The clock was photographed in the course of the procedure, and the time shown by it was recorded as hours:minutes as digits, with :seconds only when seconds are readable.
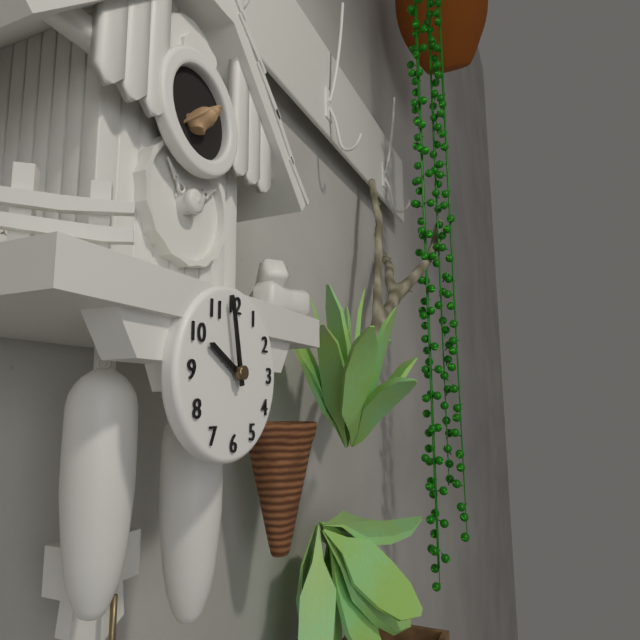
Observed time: 9:58
